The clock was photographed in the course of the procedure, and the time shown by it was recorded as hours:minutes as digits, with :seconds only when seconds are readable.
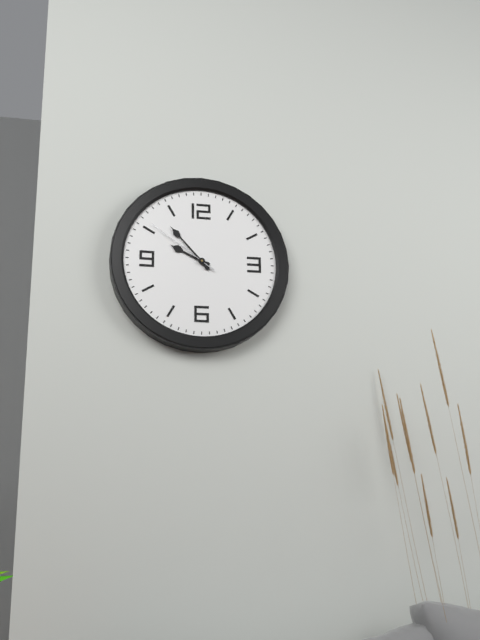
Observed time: 9:53:51
